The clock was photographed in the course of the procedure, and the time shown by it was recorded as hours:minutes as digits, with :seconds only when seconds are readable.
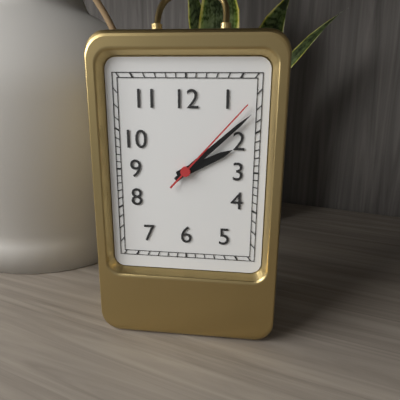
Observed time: 2:08:07
